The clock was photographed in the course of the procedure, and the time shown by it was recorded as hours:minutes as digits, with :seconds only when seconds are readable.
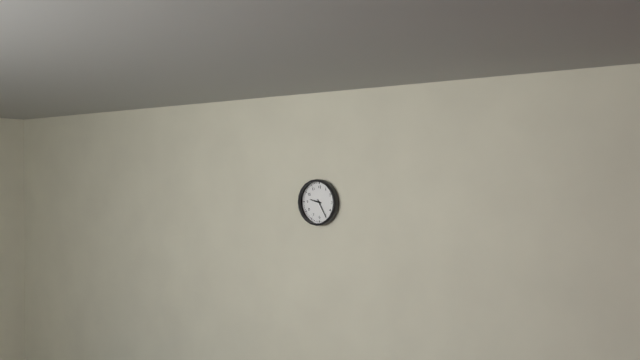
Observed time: 9:25
